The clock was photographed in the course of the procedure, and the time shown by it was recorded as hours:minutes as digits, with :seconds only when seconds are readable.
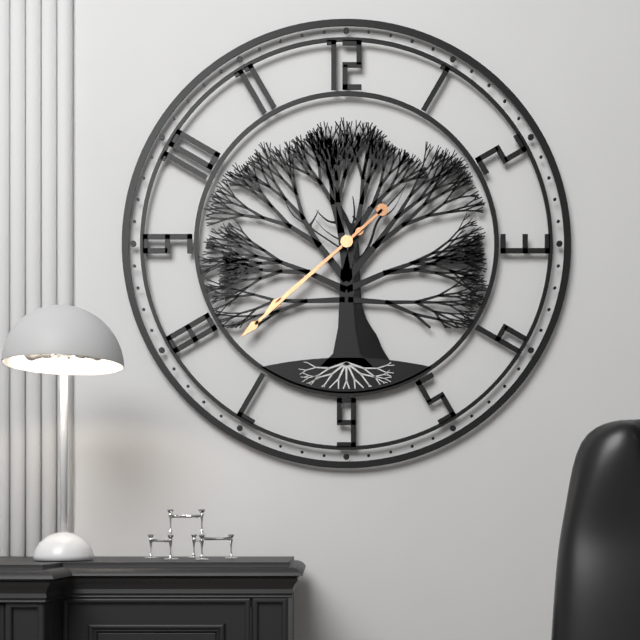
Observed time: 7:38
